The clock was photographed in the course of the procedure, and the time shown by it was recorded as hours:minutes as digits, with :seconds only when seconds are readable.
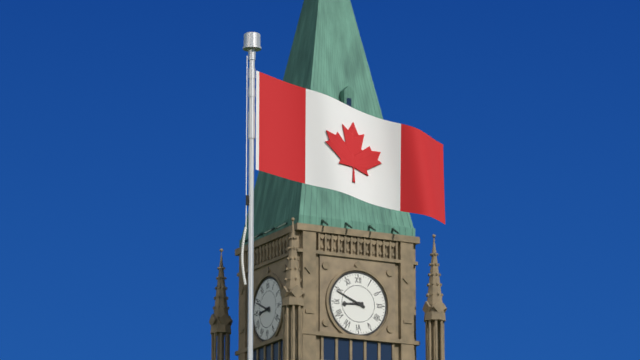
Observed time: 8:49
